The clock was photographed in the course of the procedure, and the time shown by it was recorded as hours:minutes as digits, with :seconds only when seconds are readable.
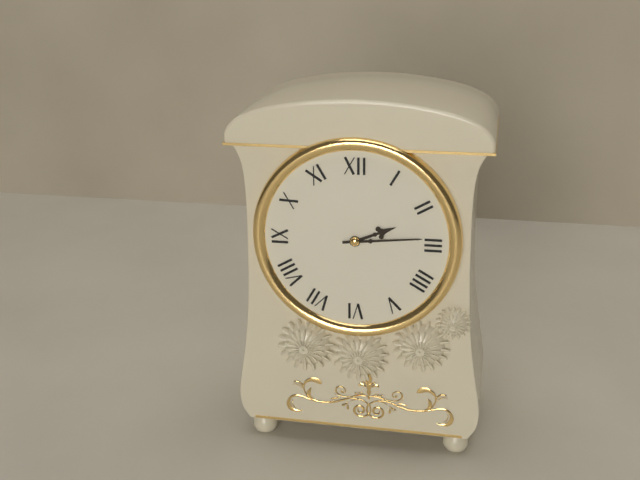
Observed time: 2:14
